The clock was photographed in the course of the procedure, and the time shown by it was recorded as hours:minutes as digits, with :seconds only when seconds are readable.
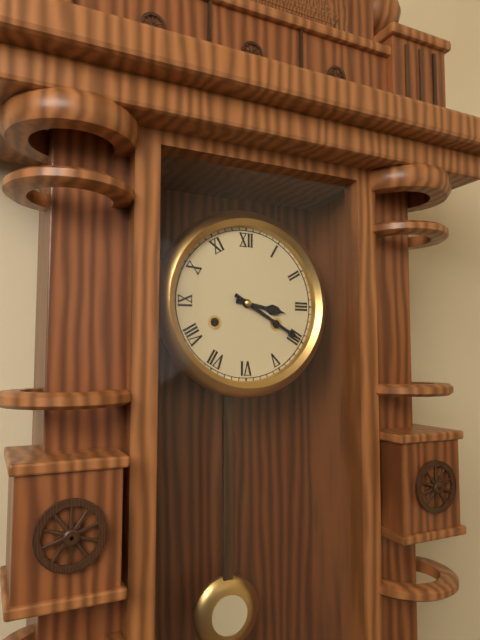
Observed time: 3:20
